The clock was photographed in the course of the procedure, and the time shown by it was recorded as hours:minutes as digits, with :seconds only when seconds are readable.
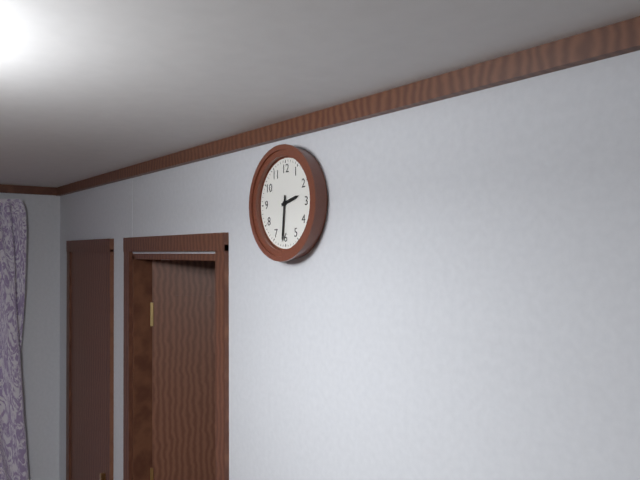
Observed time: 2:31
